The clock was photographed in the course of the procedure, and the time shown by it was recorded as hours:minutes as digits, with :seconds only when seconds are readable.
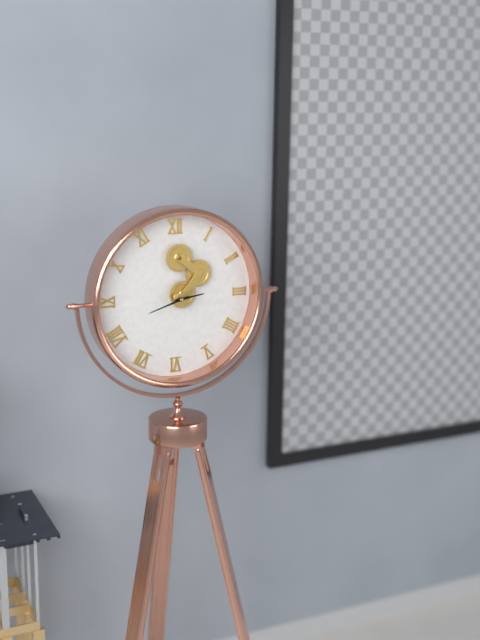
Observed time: 2:42
